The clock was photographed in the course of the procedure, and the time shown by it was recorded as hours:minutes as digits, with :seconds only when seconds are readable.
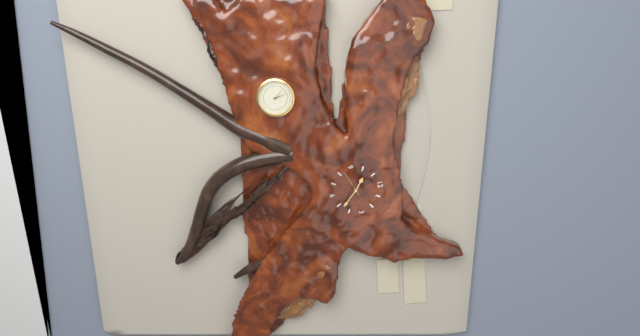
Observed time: 10:23
